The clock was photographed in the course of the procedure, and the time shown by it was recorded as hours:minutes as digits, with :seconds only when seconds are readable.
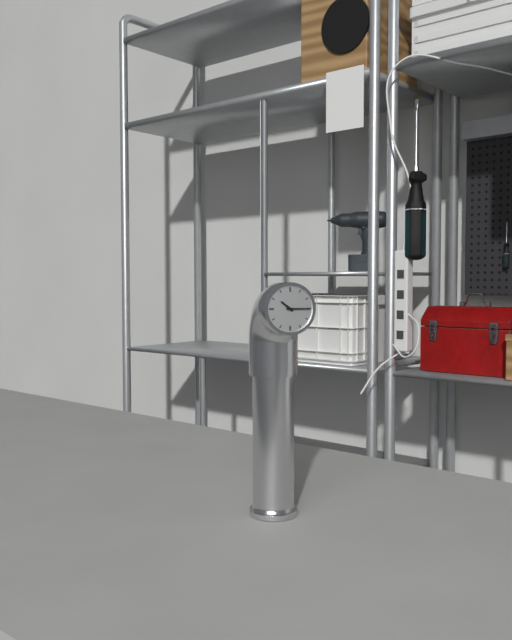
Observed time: 10:15
